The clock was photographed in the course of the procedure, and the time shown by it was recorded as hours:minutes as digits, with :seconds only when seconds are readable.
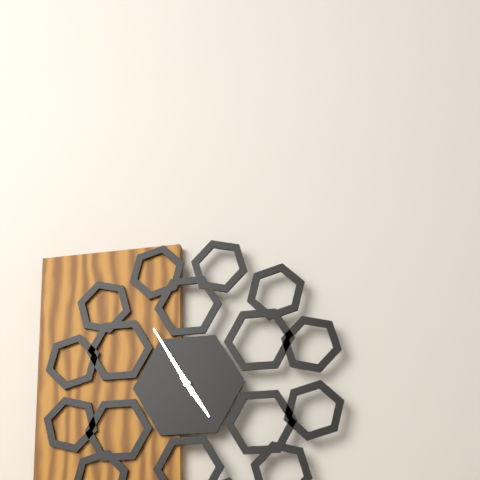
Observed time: 4:55
